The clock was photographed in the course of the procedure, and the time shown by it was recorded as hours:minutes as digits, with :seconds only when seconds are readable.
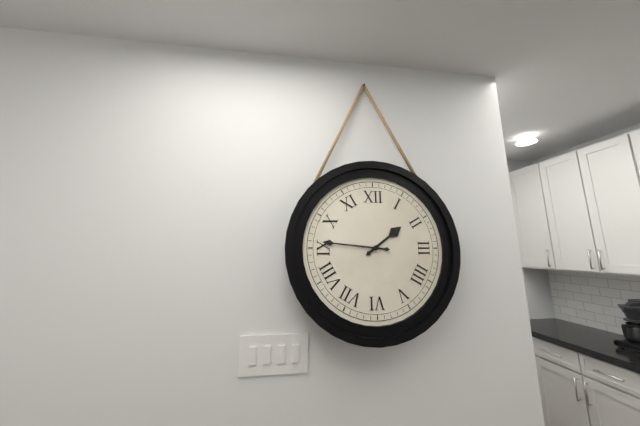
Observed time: 1:46
